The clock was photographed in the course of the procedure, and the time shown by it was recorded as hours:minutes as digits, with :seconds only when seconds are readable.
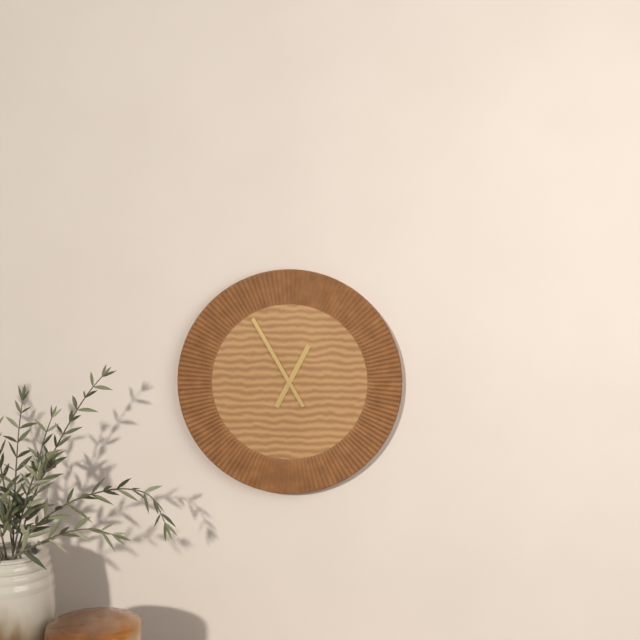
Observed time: 12:55
